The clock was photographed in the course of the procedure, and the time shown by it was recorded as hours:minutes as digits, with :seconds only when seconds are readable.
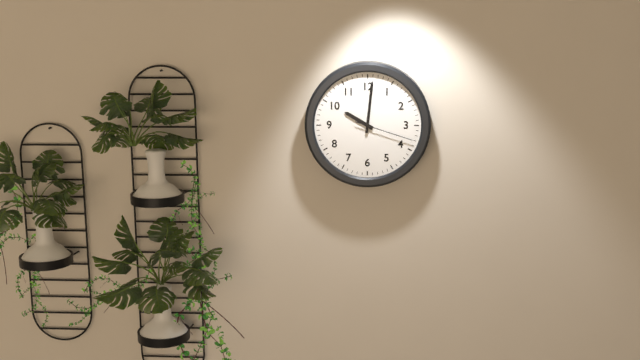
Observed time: 10:01:18
